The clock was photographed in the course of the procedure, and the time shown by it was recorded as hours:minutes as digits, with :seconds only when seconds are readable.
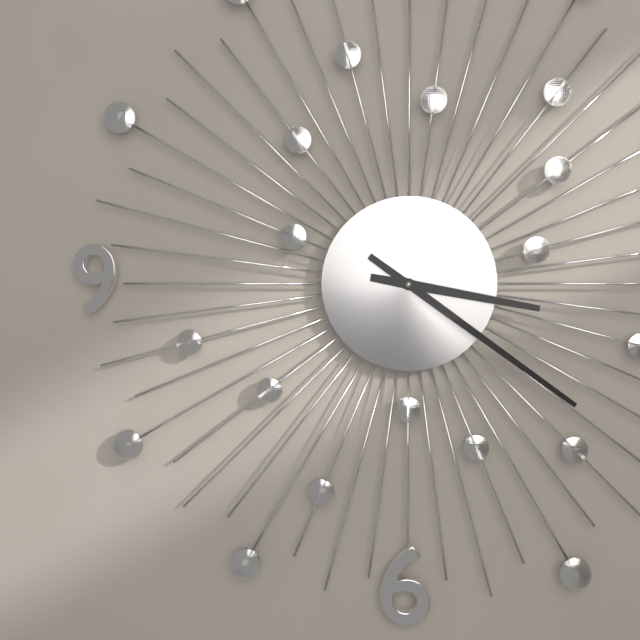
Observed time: 3:21
